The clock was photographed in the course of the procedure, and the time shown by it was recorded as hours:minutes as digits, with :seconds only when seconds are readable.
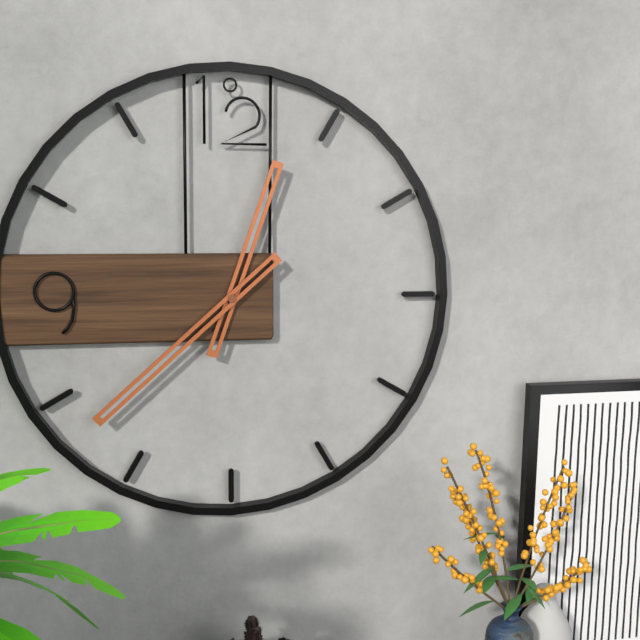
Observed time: 12:38
